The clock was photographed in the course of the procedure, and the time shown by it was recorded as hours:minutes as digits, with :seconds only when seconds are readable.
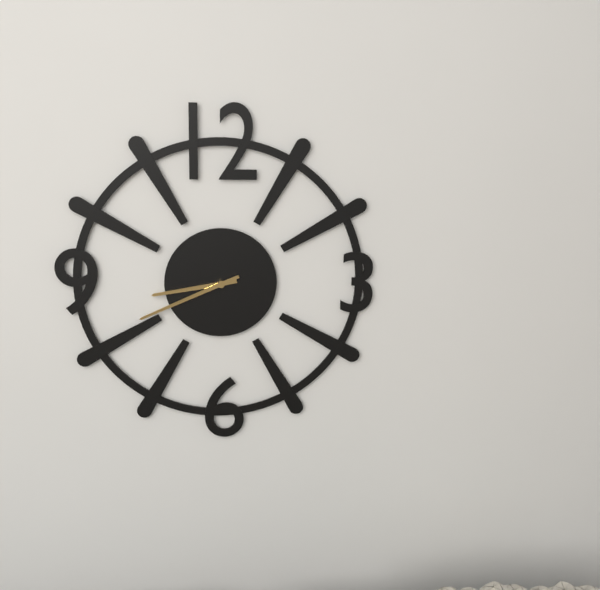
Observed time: 8:41
